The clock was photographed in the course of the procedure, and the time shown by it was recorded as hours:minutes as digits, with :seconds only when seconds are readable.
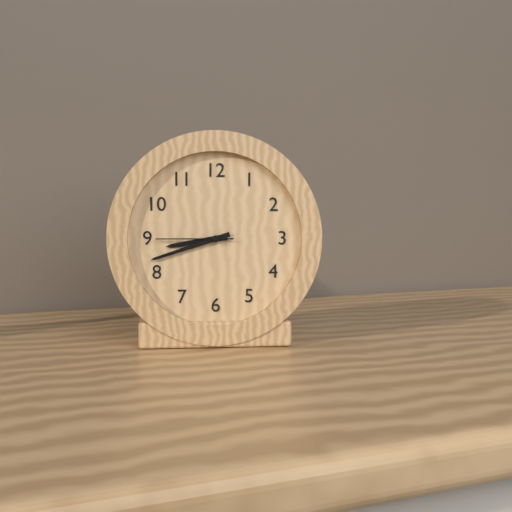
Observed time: 8:42:45
